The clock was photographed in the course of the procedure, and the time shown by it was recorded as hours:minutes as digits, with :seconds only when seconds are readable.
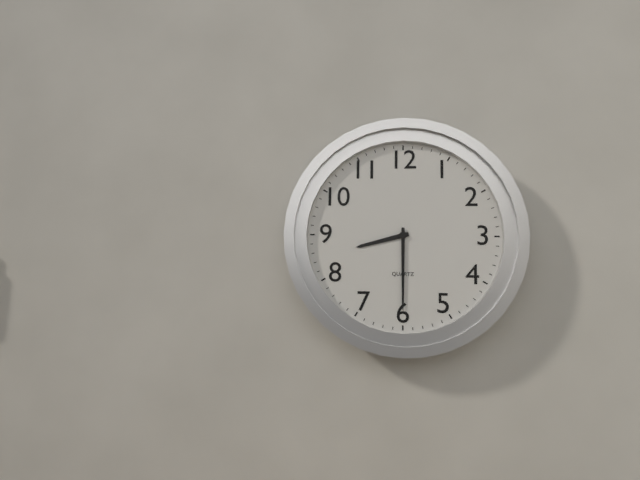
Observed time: 8:30
